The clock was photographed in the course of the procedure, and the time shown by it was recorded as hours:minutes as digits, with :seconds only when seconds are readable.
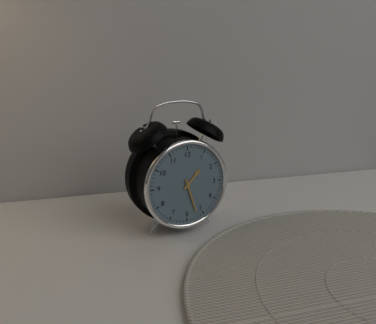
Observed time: 1:27
